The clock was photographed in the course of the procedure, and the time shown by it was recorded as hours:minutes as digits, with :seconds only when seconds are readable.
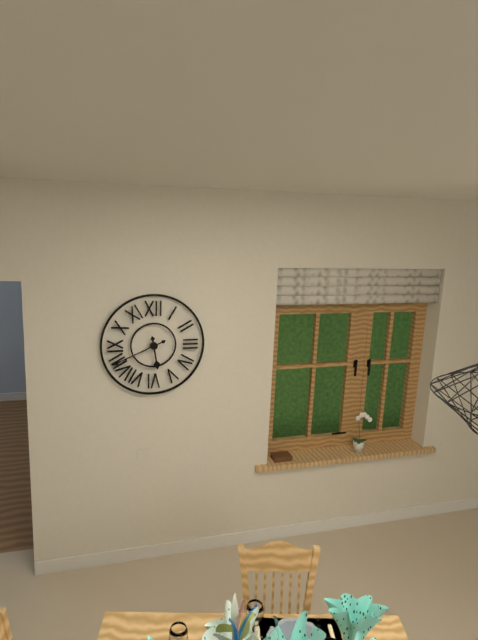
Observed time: 5:41
